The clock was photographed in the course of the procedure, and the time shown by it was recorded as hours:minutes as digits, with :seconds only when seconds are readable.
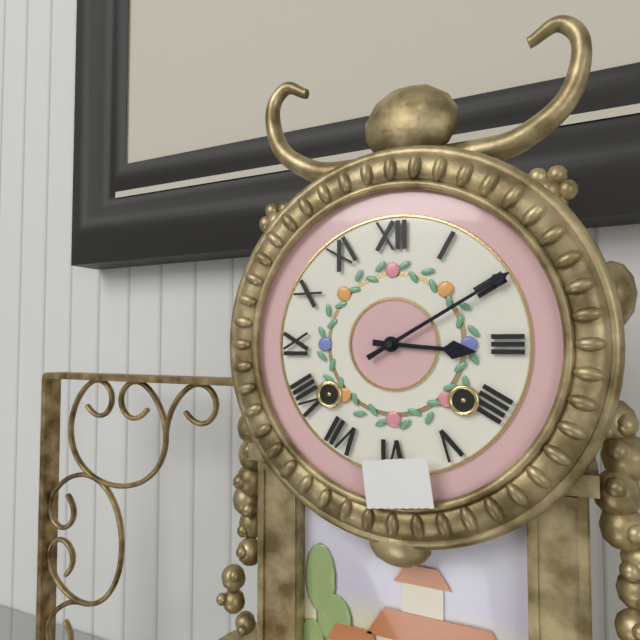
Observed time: 3:10
